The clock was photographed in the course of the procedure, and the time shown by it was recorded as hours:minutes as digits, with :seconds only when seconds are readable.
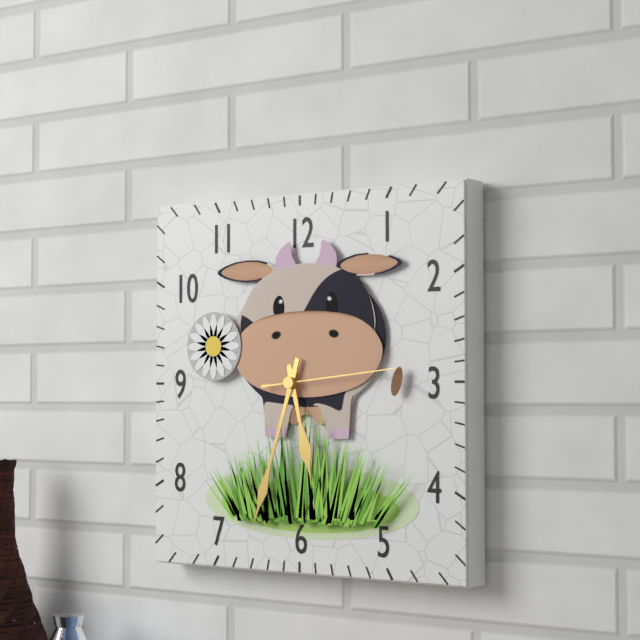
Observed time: 5:33:14
